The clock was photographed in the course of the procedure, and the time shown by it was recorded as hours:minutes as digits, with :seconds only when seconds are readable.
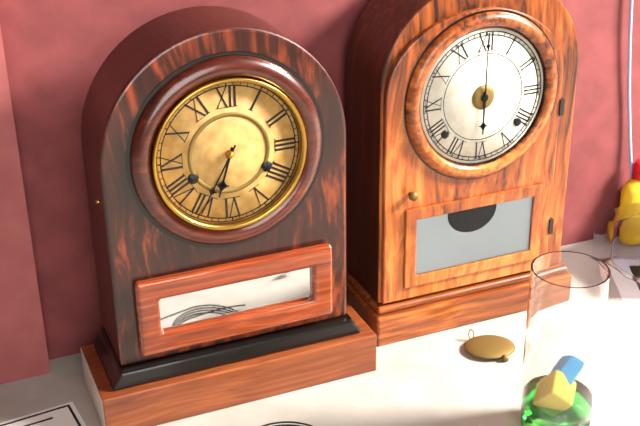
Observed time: 6:35
